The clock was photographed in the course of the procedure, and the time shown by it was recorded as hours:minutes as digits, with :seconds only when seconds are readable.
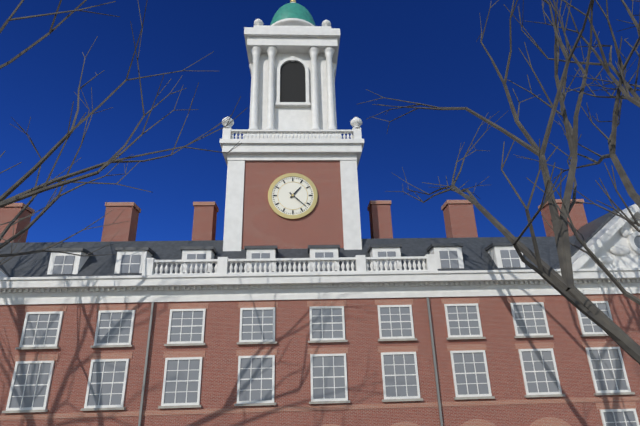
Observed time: 1:22
